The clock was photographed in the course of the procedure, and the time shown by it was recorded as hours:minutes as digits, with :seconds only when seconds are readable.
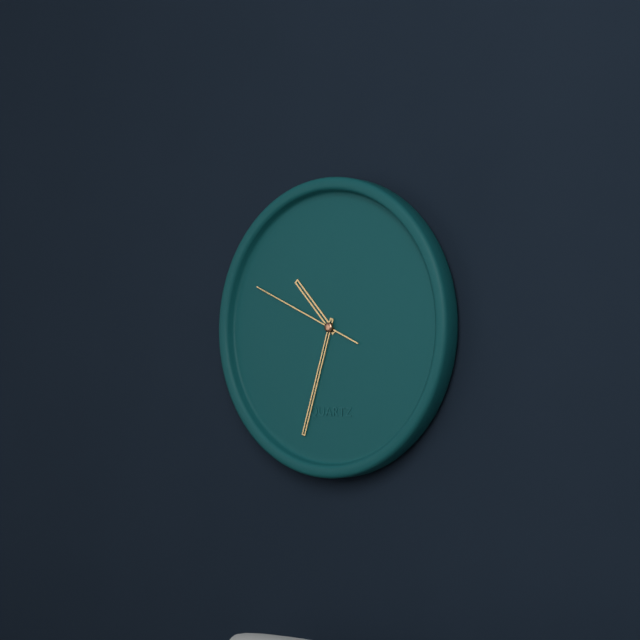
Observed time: 10:33:49
